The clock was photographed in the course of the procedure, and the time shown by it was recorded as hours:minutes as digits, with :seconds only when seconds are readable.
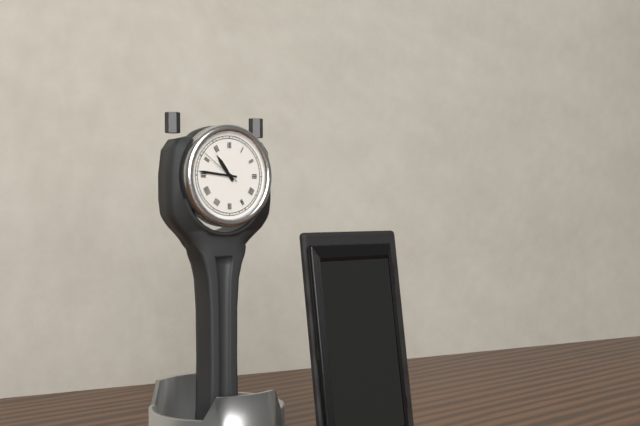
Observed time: 10:46
